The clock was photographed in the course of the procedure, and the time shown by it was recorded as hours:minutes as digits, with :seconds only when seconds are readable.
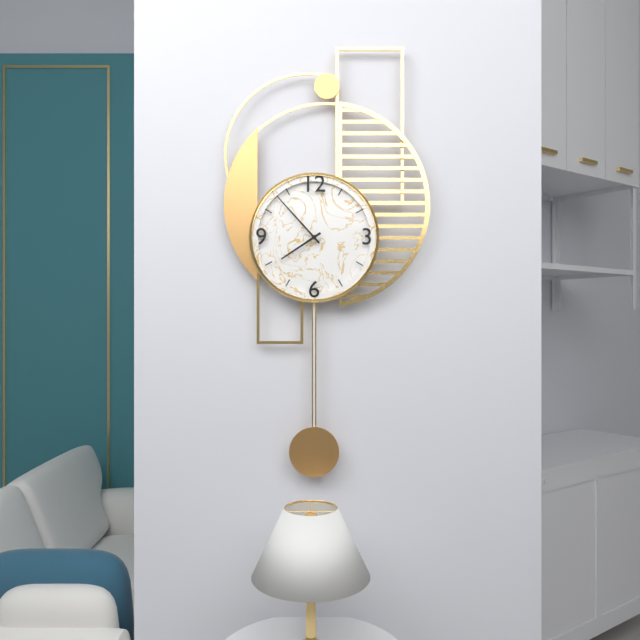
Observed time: 7:53
